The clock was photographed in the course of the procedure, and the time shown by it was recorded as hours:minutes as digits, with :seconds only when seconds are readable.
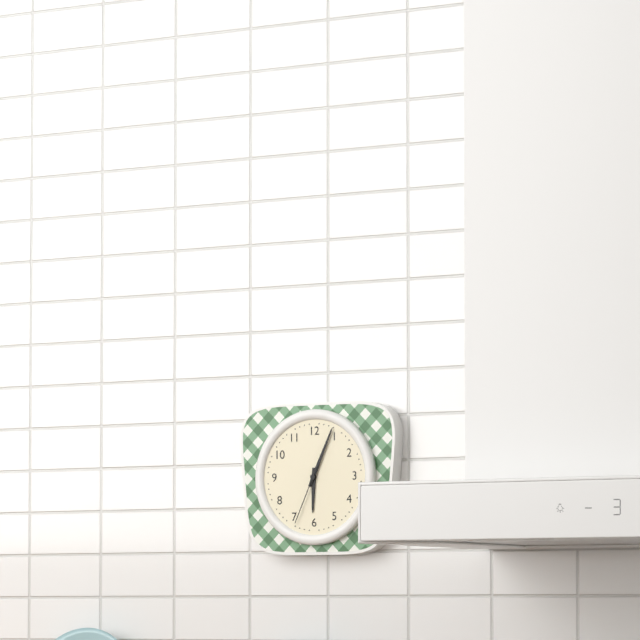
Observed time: 6:04:34
